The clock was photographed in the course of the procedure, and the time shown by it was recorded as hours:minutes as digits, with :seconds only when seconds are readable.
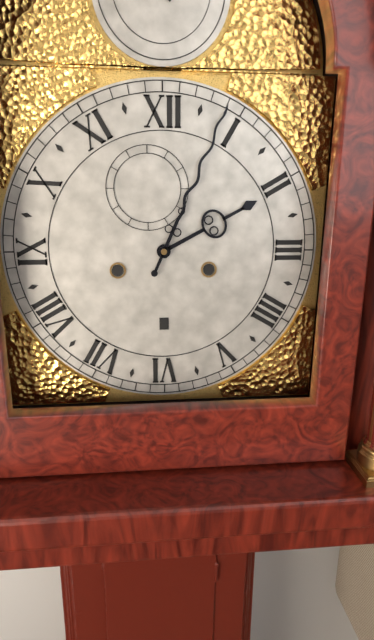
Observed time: 2:04
